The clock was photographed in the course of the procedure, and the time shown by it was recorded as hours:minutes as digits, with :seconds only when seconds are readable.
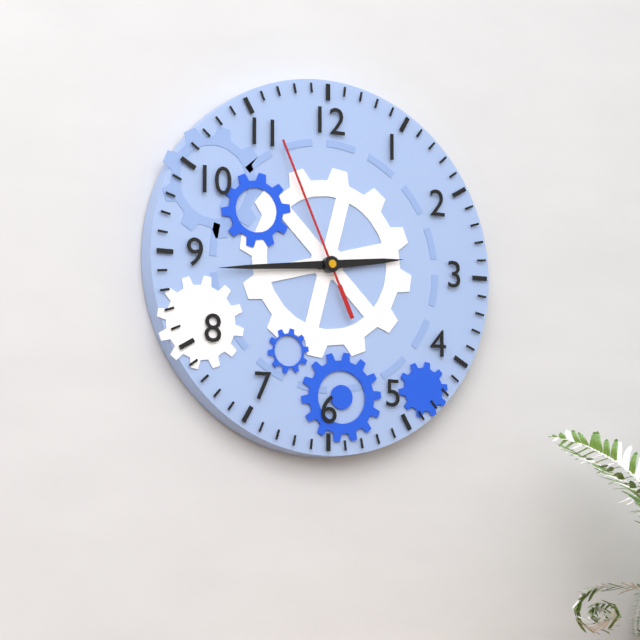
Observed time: 2:44:56
